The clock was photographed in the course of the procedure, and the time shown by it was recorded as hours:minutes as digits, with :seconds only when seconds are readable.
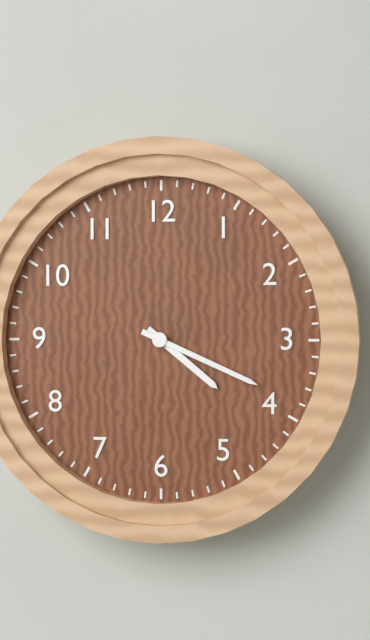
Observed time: 4:19
